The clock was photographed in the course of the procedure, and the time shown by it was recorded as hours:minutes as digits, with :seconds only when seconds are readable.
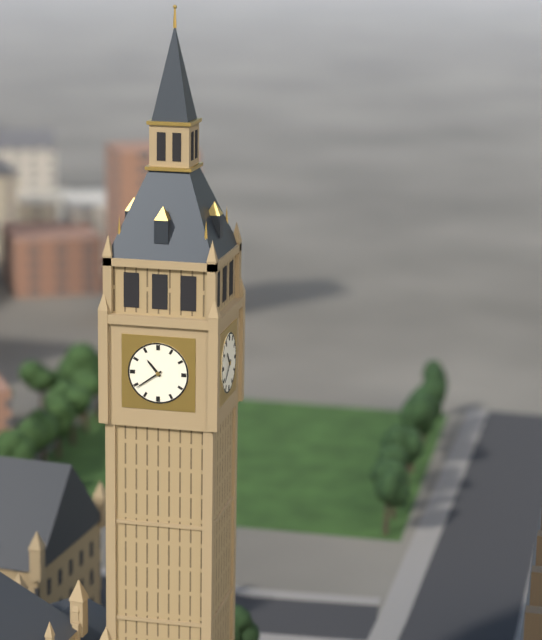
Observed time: 10:39
